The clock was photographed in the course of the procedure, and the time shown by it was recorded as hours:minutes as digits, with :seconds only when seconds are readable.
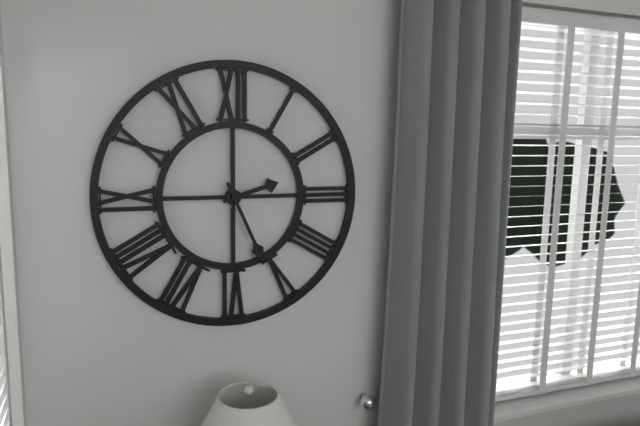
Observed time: 2:26
